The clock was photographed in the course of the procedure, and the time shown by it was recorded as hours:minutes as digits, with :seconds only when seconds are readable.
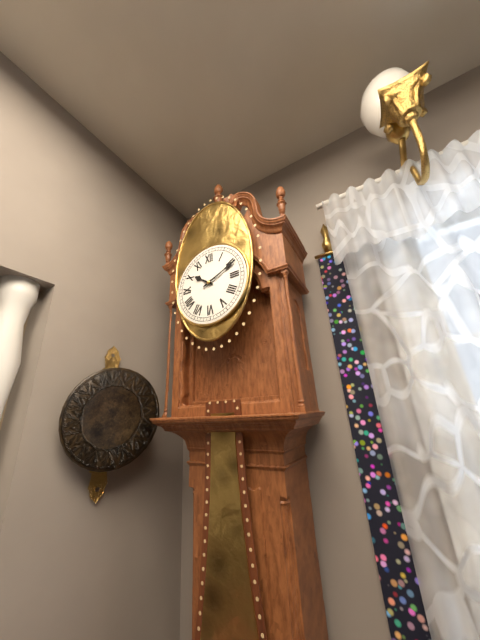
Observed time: 10:11
